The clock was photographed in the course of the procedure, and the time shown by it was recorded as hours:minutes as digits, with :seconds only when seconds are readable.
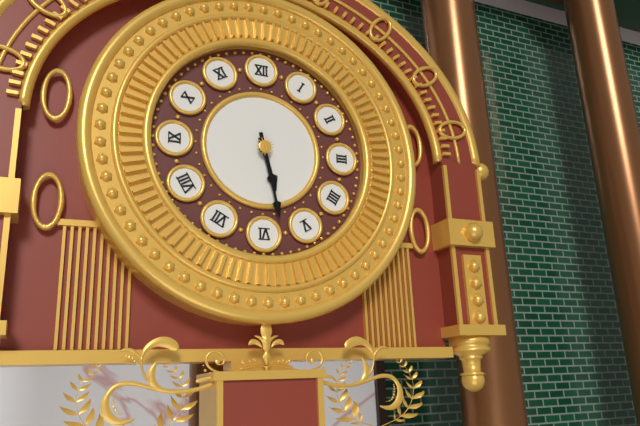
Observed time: 5:28
